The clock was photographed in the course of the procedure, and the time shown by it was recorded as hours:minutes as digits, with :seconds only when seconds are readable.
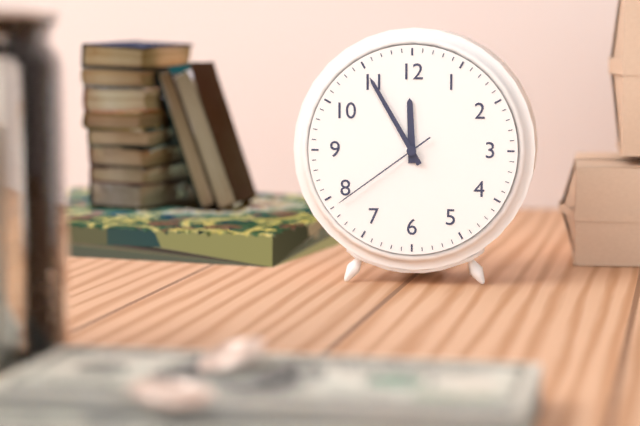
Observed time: 11:55:39
